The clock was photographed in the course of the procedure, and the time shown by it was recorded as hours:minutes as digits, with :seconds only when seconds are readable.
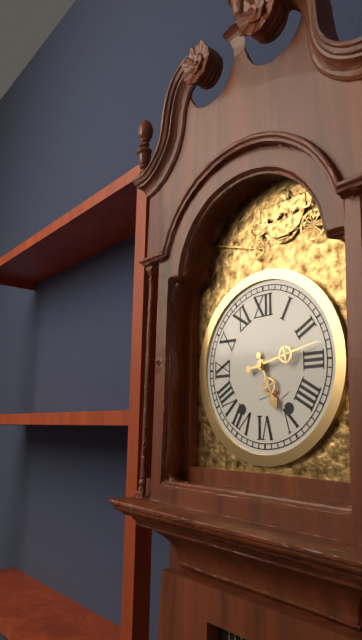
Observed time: 5:13
